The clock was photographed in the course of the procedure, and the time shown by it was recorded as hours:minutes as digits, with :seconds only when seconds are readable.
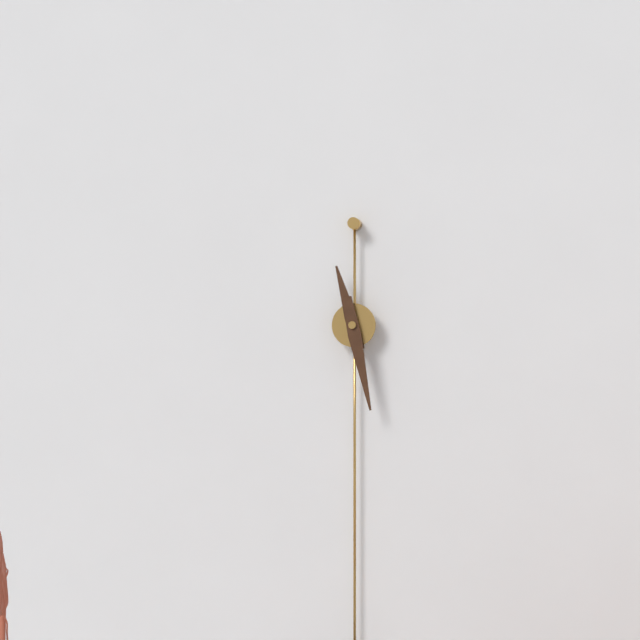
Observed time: 11:28
